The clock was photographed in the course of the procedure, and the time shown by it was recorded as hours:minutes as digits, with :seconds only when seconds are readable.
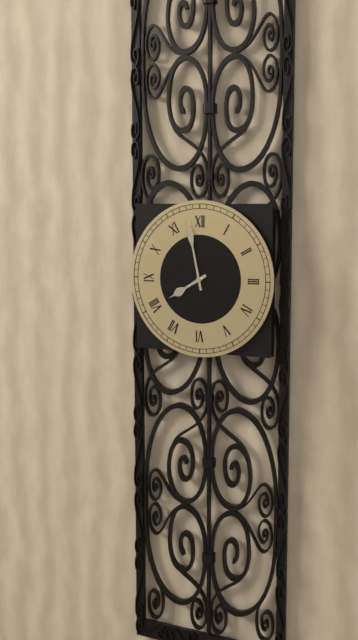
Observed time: 7:58
